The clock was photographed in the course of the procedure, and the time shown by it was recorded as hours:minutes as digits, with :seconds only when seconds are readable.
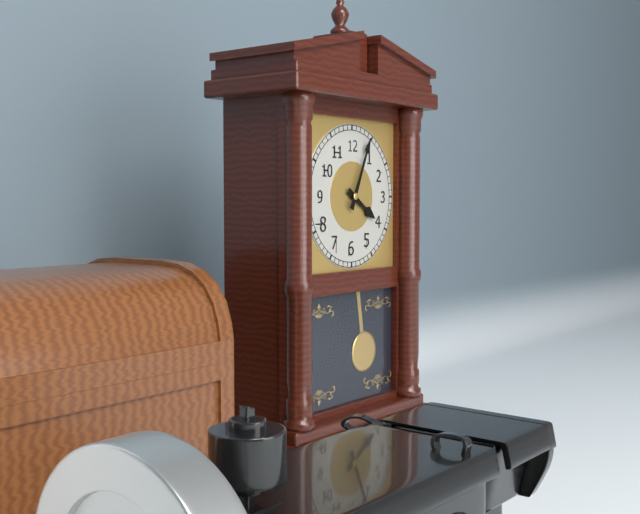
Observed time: 4:04
